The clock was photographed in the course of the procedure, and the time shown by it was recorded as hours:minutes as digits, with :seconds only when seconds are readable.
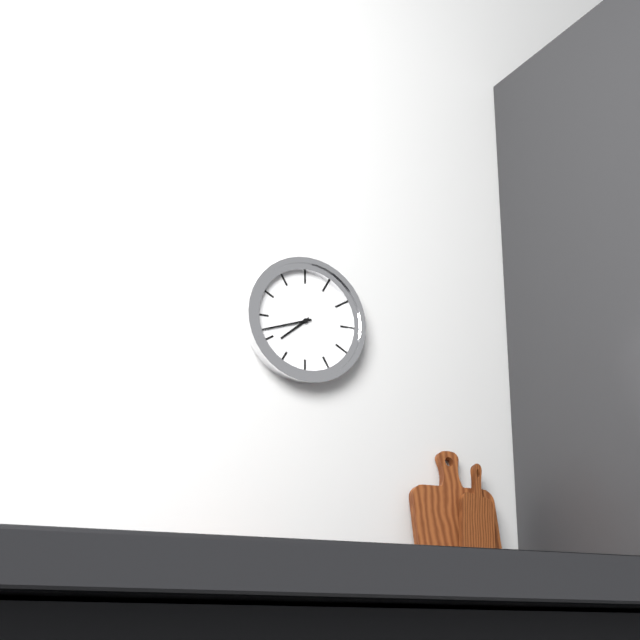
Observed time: 7:42
